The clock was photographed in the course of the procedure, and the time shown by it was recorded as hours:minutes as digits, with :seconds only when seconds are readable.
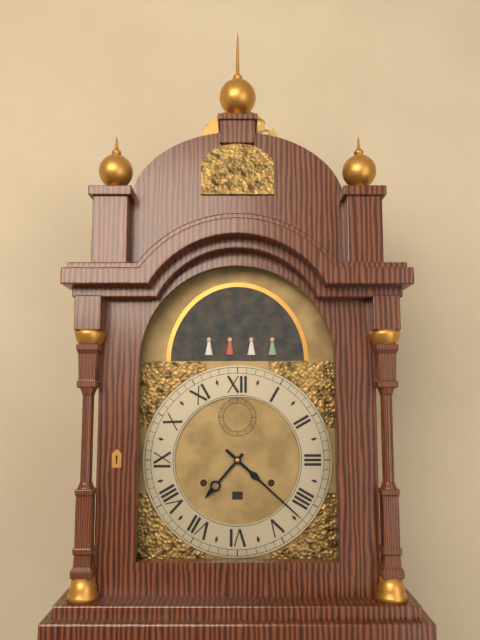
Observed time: 7:22
